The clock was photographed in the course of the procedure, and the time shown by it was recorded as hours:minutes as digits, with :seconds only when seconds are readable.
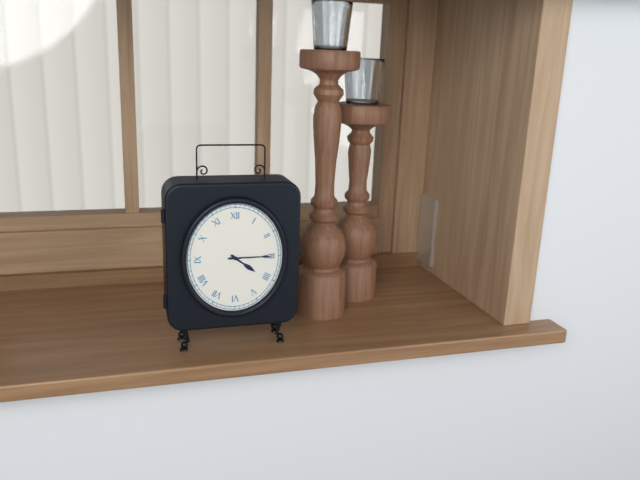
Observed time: 4:15
